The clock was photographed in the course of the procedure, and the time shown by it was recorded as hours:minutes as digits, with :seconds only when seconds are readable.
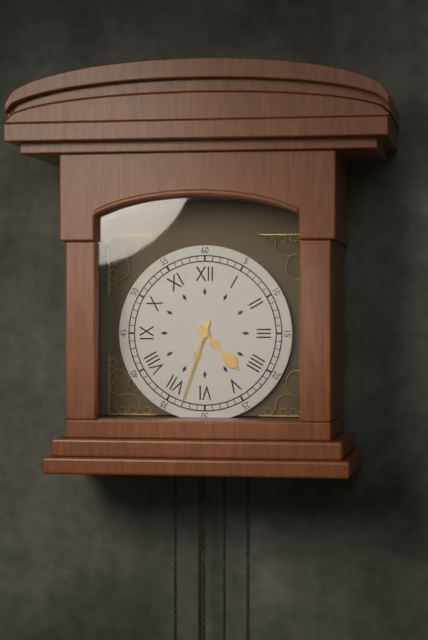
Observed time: 4:33
